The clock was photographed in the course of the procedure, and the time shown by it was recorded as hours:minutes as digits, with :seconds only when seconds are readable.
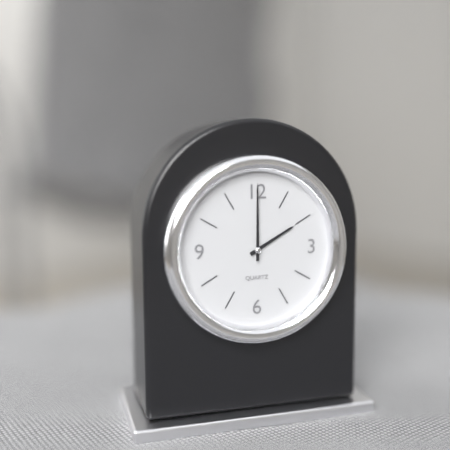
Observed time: 2:00
